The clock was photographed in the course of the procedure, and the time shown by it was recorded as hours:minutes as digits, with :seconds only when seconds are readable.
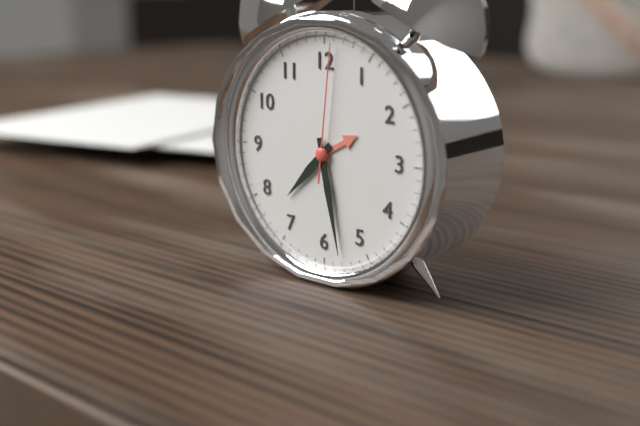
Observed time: 7:28:01
